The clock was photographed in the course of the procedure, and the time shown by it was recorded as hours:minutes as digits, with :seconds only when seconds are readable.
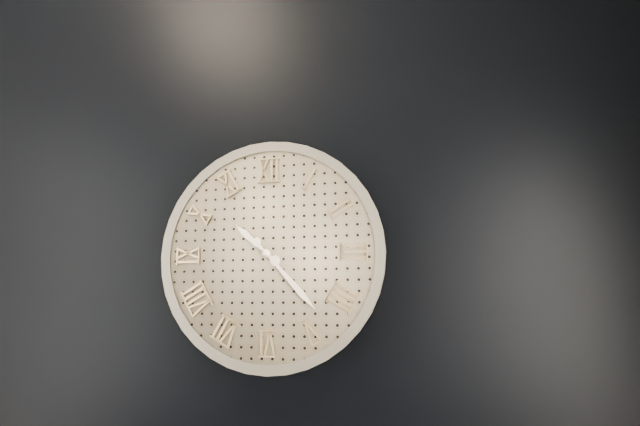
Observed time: 10:23
